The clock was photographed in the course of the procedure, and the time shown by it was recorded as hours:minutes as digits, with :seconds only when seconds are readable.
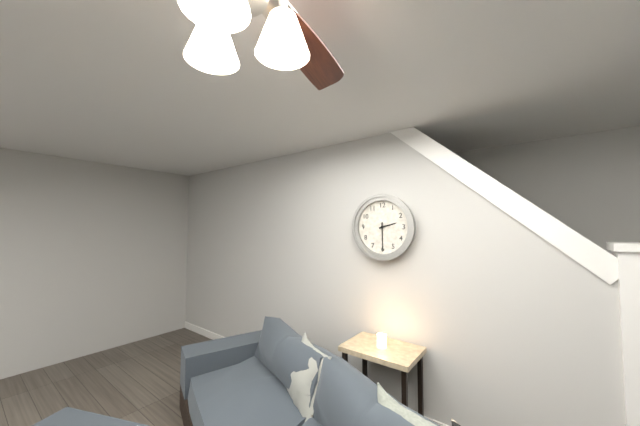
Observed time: 2:30
